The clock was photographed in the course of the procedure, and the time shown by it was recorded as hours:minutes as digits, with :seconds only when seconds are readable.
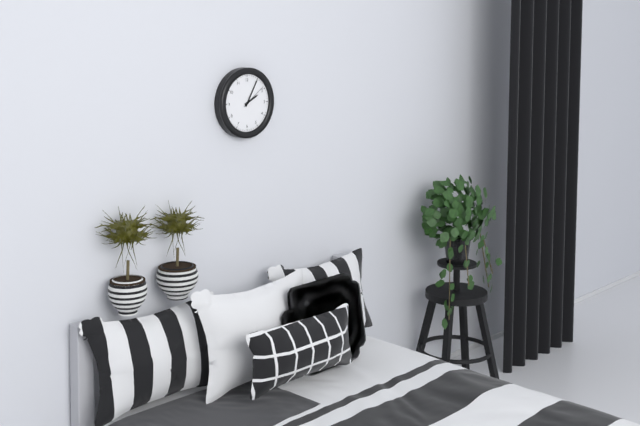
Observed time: 2:05
